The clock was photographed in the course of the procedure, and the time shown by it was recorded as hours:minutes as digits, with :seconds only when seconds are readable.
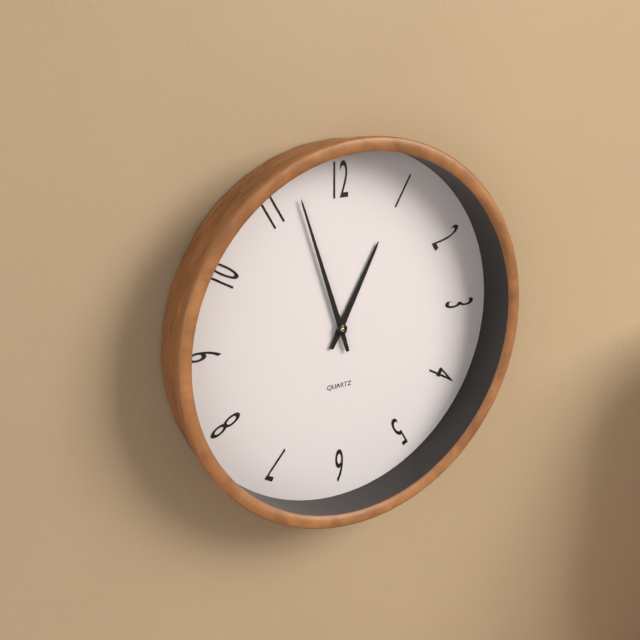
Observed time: 12:57
